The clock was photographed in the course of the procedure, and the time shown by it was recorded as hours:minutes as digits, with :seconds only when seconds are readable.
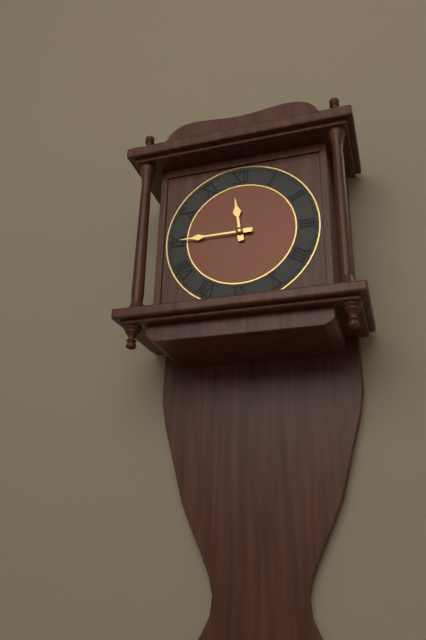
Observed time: 11:45
